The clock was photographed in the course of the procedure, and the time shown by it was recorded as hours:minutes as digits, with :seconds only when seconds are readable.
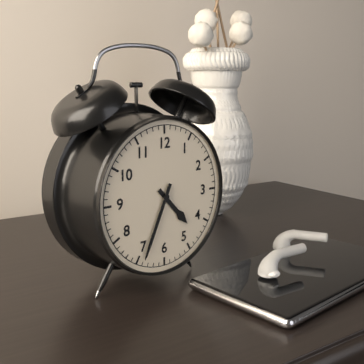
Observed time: 4:34
